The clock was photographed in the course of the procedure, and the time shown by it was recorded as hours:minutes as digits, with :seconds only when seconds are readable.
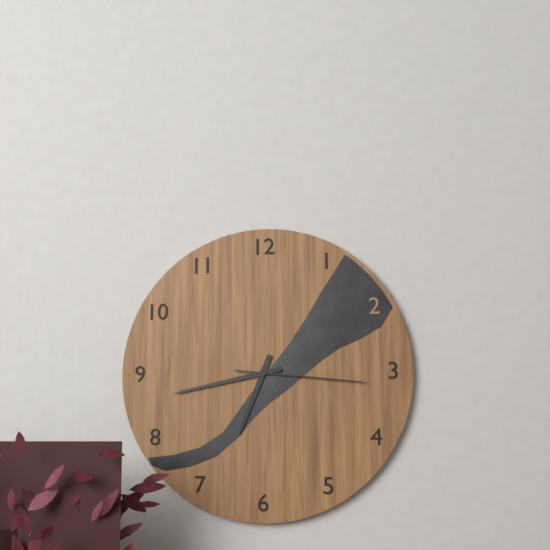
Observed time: 6:43:16
